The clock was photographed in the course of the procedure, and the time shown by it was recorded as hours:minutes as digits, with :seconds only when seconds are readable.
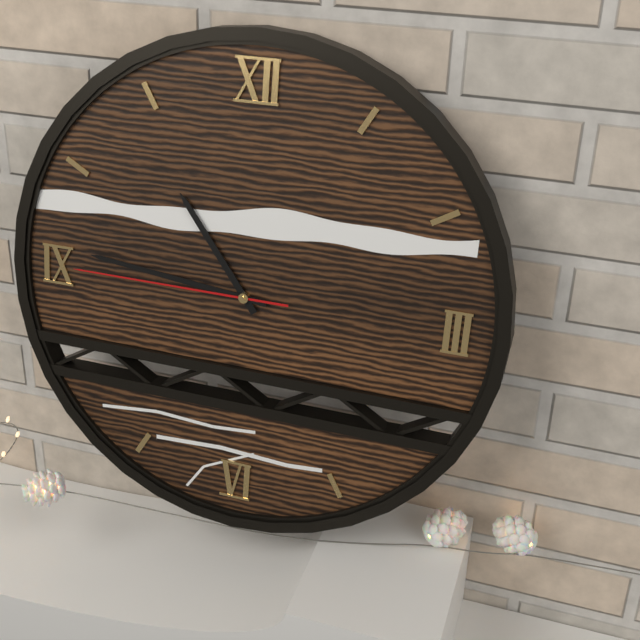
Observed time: 10:46:45
